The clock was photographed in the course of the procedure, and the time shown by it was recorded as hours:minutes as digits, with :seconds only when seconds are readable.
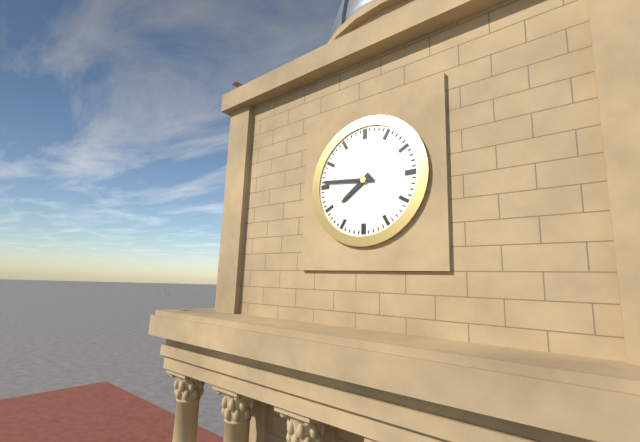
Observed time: 7:46
